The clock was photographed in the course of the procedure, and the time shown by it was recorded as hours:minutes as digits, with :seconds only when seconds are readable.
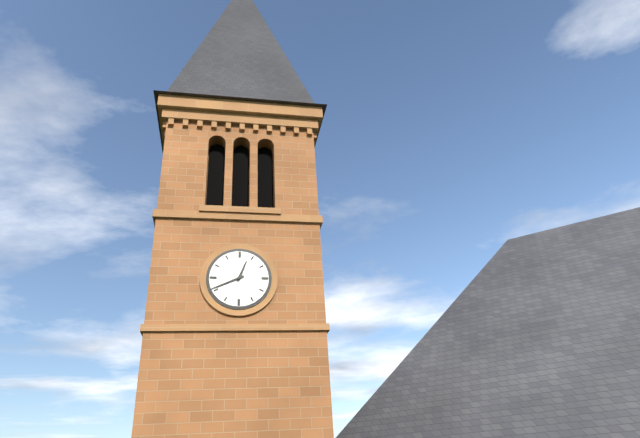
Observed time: 12:41
